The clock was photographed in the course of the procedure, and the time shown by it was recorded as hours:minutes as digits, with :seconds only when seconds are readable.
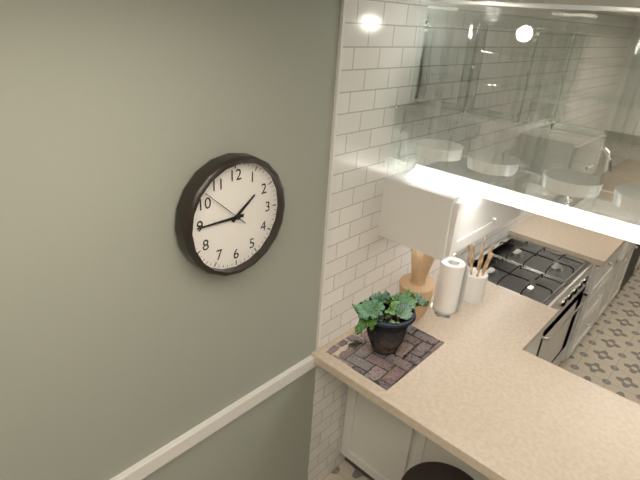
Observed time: 1:45:52
